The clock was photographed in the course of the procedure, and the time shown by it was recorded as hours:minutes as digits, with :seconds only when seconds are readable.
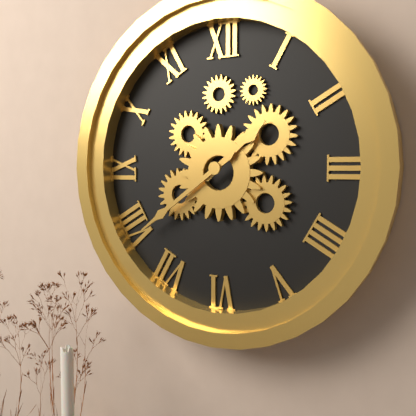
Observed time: 1:39
